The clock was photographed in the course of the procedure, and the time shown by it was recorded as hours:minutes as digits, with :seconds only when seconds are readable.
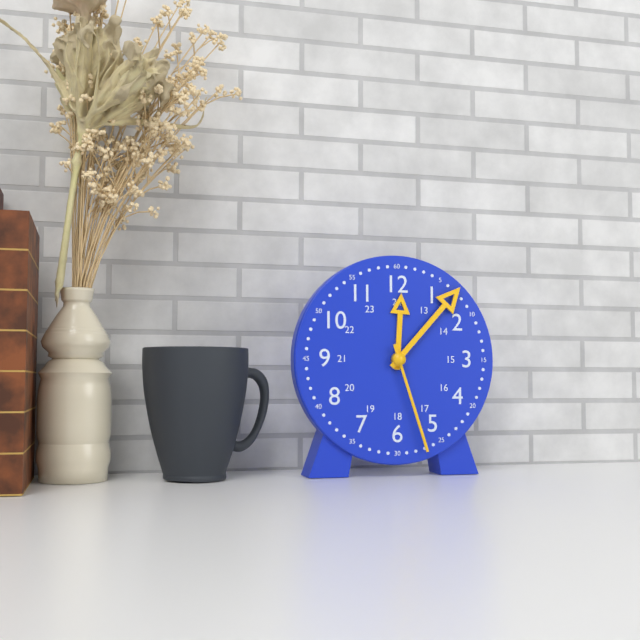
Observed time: 12:07:27
